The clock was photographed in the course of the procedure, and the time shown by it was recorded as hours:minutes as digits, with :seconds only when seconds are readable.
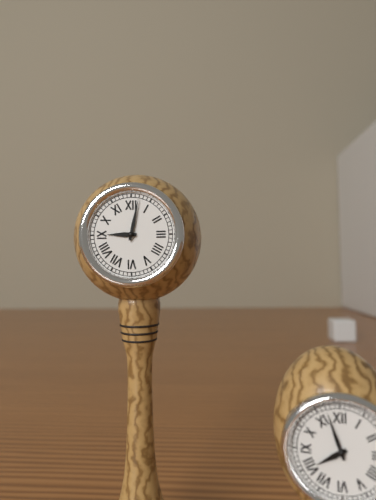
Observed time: 9:02
